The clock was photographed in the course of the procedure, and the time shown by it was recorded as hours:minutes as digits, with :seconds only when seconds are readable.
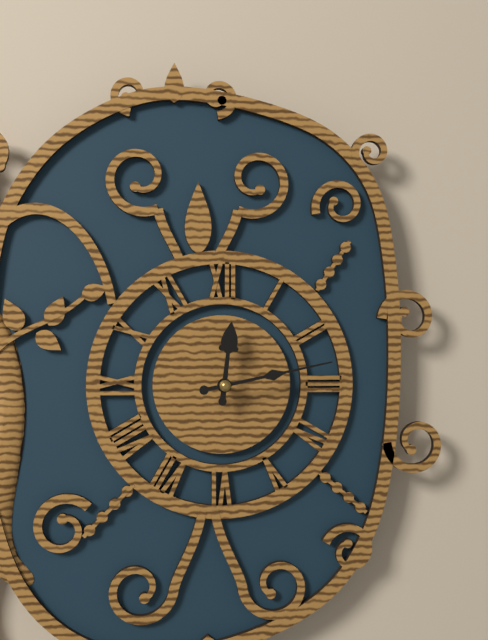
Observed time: 12:13
